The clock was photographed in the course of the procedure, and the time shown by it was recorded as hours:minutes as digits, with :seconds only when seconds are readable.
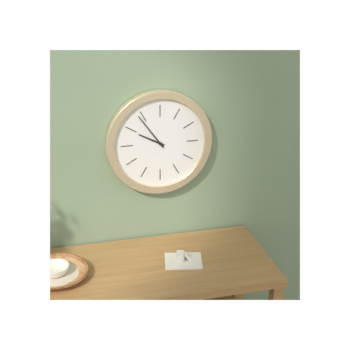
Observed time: 9:54
